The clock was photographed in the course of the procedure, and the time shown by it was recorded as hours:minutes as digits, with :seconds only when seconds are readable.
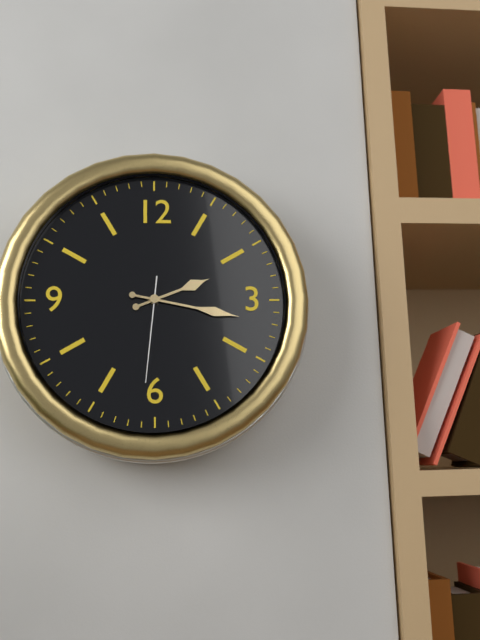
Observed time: 2:17:31
